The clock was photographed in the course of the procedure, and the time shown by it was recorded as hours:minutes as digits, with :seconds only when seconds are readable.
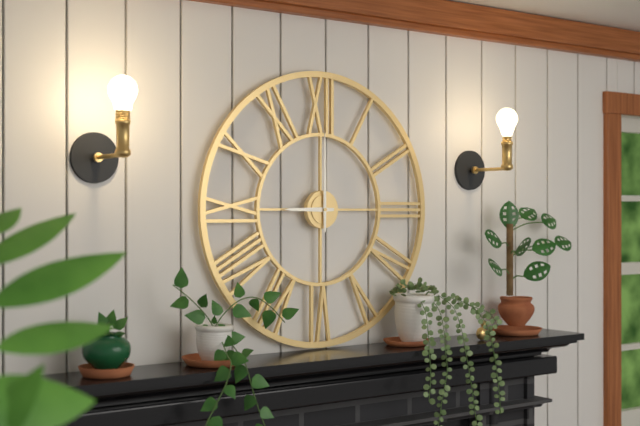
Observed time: 9:00
